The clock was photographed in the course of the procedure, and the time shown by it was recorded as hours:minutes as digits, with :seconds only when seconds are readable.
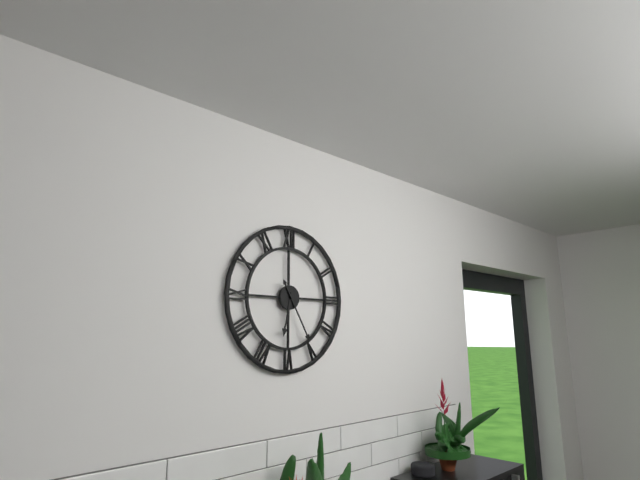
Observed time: 6:25
